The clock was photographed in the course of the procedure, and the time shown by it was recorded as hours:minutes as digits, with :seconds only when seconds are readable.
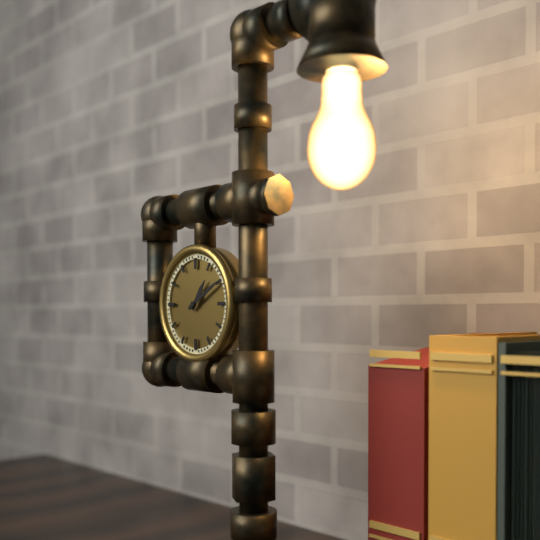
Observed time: 1:10
